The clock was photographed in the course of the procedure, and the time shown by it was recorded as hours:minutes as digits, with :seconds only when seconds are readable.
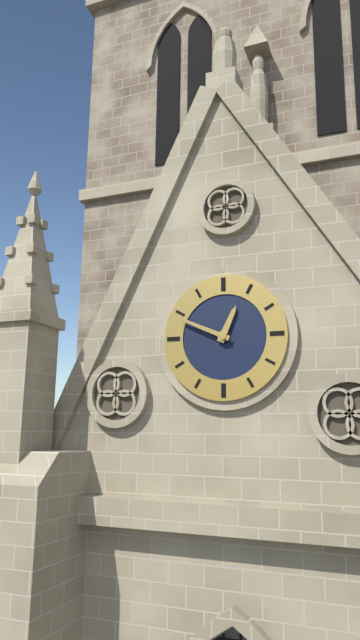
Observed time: 12:49
